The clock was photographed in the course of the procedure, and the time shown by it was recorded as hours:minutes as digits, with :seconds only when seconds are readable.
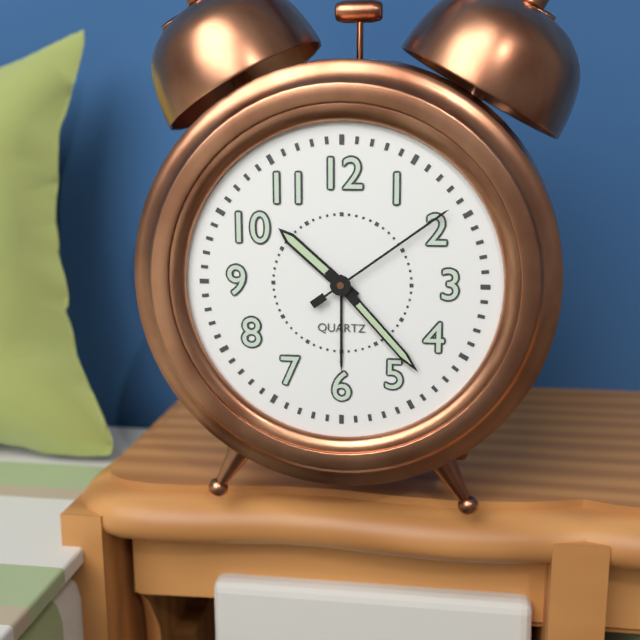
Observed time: 10:23:09
